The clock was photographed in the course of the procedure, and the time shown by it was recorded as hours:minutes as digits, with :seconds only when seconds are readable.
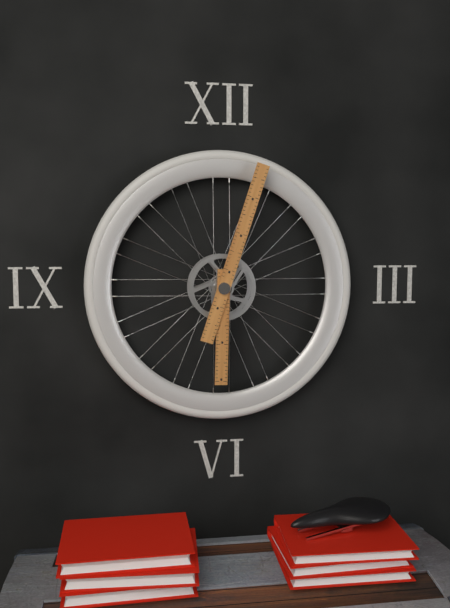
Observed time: 6:03
